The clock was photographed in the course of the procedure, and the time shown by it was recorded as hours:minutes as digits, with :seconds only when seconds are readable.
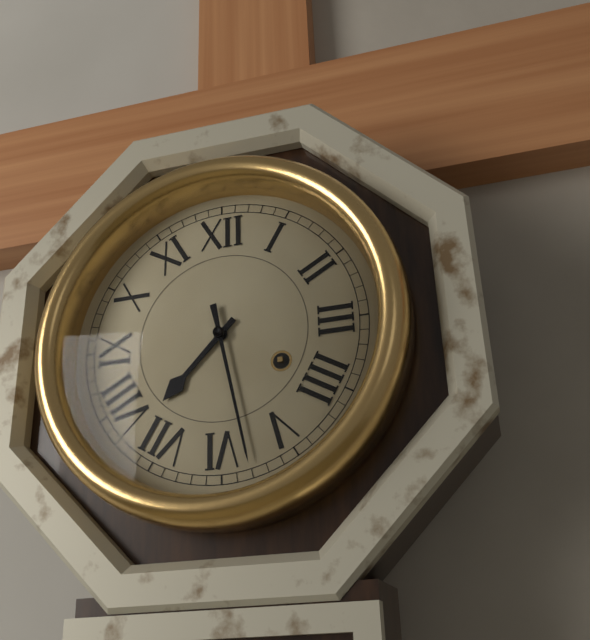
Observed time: 7:28
